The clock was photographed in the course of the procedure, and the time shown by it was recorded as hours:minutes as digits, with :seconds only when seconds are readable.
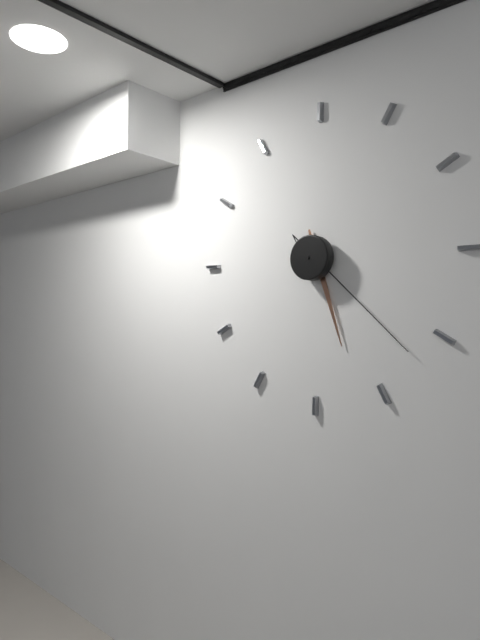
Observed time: 5:22
